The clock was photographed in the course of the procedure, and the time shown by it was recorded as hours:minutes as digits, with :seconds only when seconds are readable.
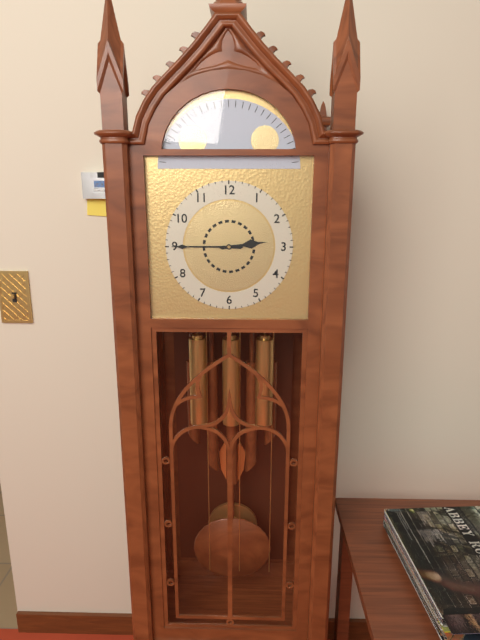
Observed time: 2:45
